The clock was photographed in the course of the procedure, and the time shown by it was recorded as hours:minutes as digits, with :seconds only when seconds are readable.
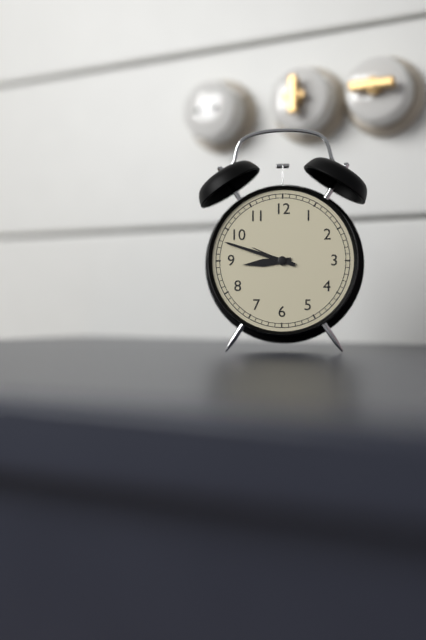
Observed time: 8:48
